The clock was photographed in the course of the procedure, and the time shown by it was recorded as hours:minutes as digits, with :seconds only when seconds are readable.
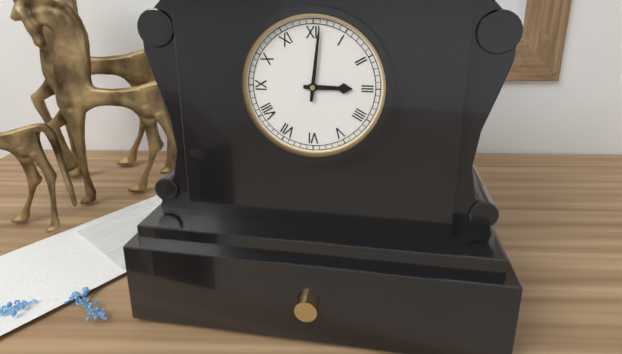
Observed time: 3:01
